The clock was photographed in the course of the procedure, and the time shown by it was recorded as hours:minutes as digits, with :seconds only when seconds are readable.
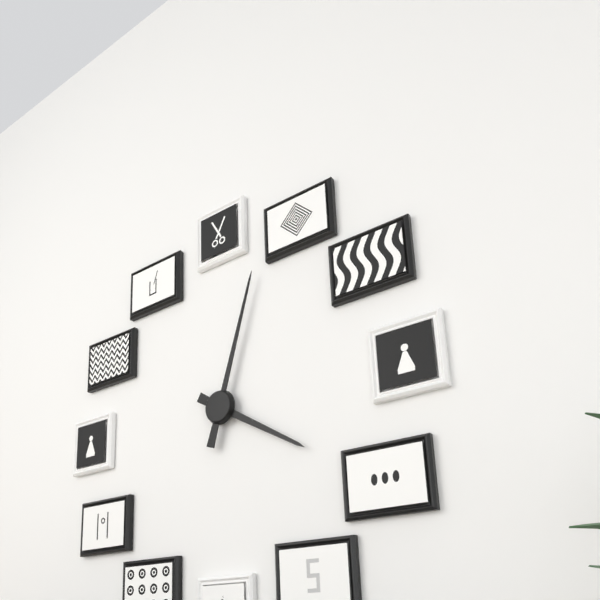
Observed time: 4:03
